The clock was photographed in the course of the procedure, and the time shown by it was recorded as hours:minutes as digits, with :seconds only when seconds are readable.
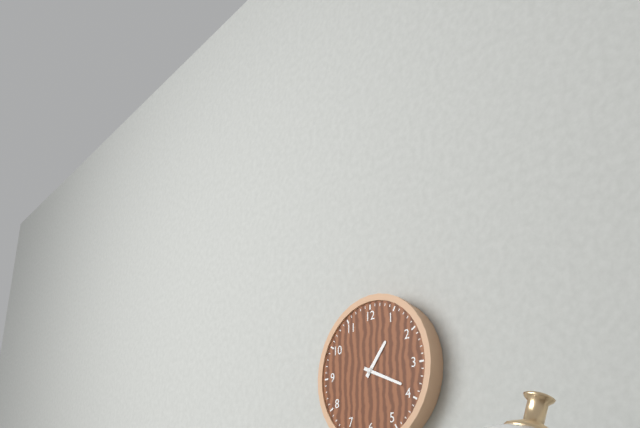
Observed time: 1:19
